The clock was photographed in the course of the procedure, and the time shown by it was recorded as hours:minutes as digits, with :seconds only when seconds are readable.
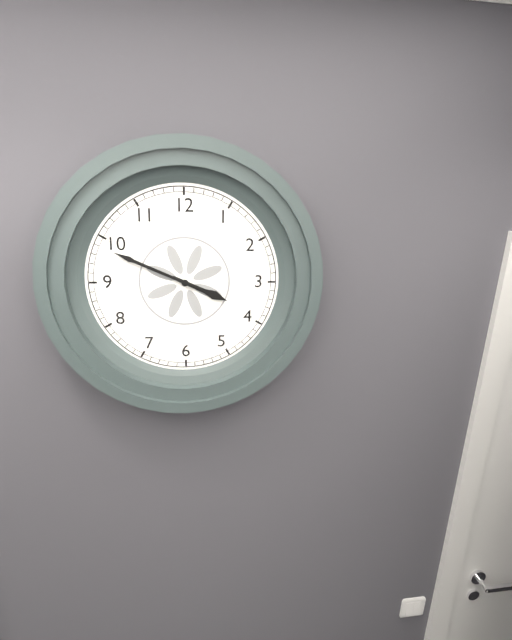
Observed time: 3:49
